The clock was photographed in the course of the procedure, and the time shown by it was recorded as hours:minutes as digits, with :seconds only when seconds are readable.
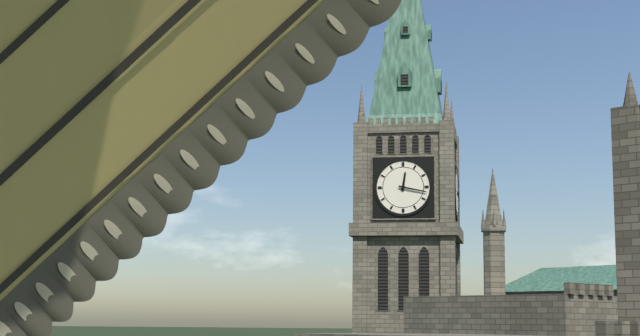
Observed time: 12:17
